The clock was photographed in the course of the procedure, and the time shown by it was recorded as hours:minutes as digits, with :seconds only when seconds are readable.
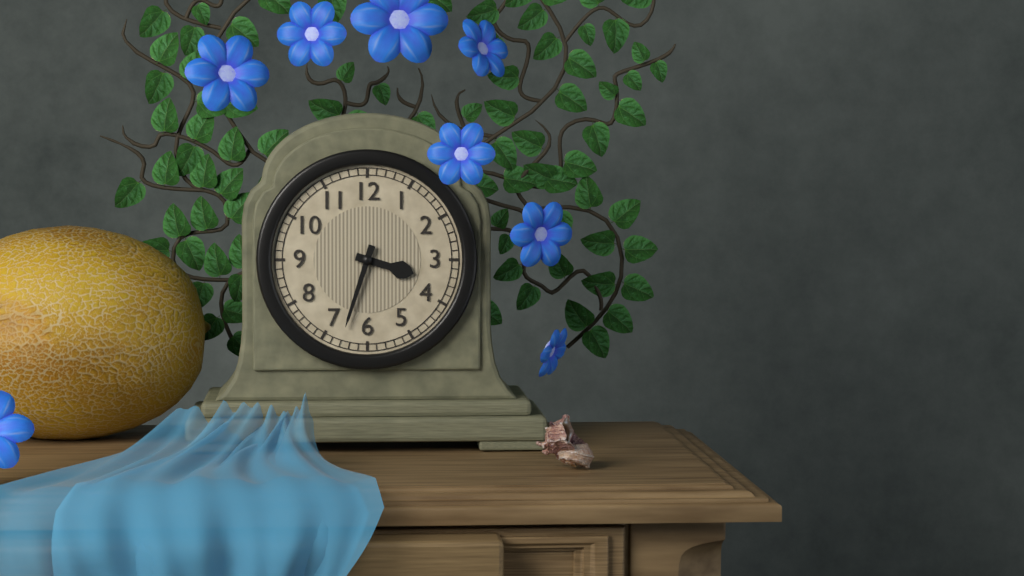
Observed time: 3:33
